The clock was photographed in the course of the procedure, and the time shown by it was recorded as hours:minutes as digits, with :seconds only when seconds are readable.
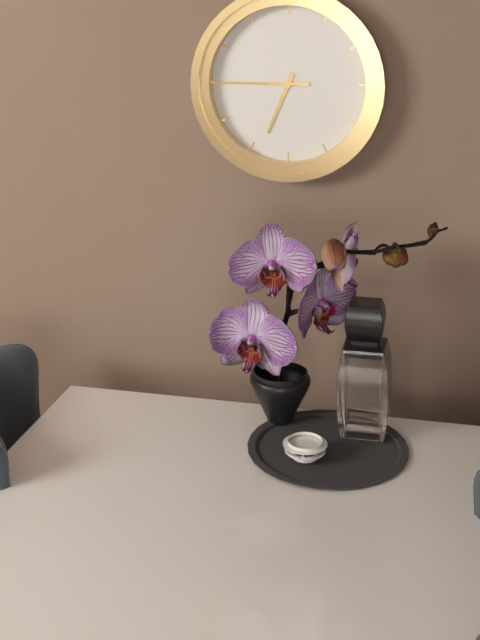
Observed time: 6:45
